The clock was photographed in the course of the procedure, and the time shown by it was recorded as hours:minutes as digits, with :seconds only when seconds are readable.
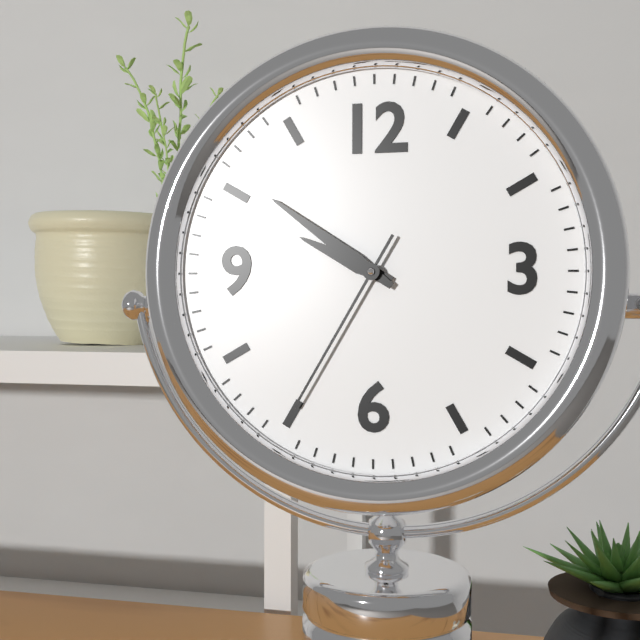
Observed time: 9:51:35
